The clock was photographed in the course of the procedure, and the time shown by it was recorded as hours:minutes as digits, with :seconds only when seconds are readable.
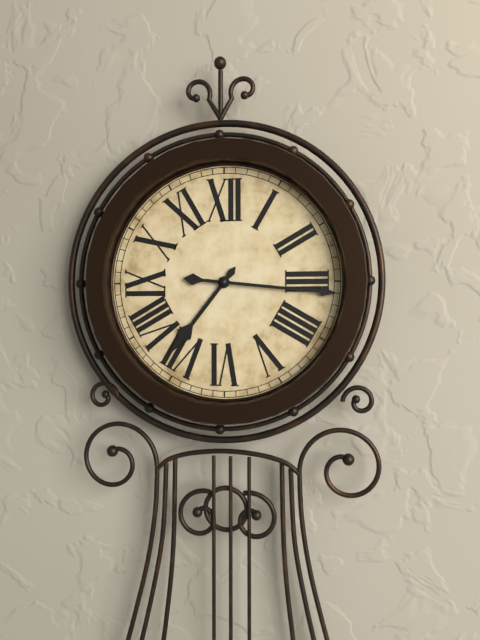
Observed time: 7:16
